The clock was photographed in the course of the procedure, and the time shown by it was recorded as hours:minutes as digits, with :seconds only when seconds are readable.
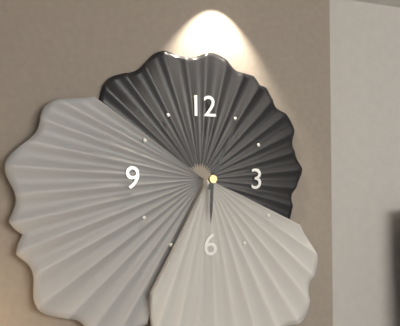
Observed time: 6:04
